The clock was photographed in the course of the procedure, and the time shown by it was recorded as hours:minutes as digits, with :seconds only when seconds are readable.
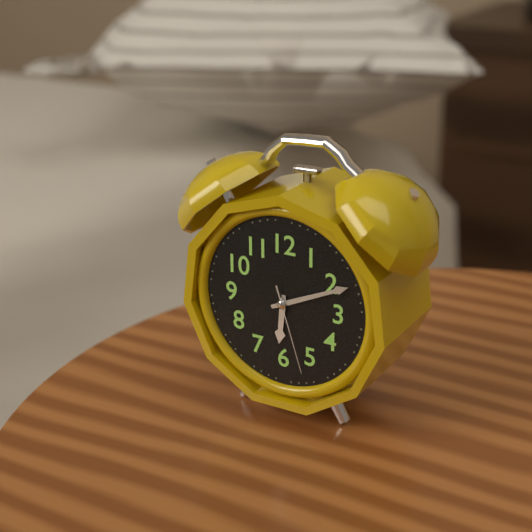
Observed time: 6:11:27
